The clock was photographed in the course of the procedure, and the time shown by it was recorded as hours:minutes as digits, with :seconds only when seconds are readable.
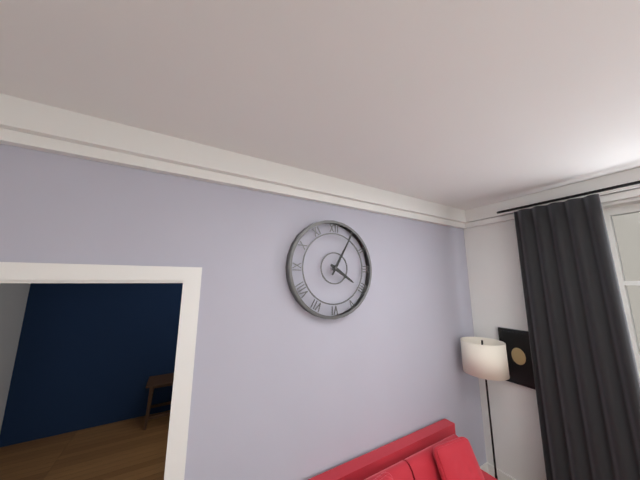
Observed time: 4:05
